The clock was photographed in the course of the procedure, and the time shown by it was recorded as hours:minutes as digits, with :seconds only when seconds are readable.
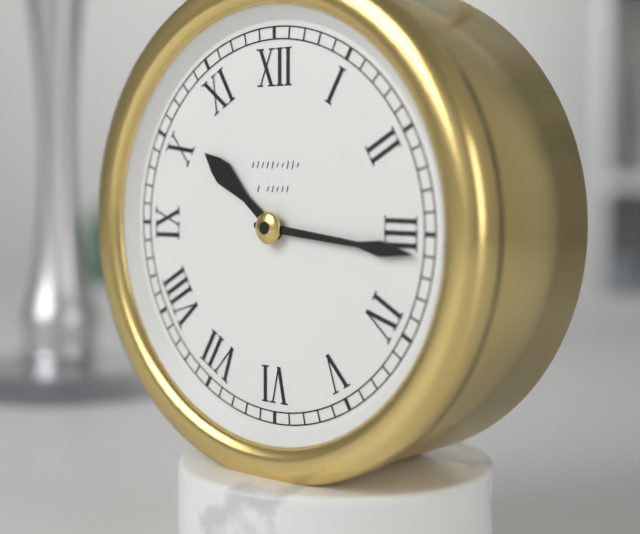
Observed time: 10:16
